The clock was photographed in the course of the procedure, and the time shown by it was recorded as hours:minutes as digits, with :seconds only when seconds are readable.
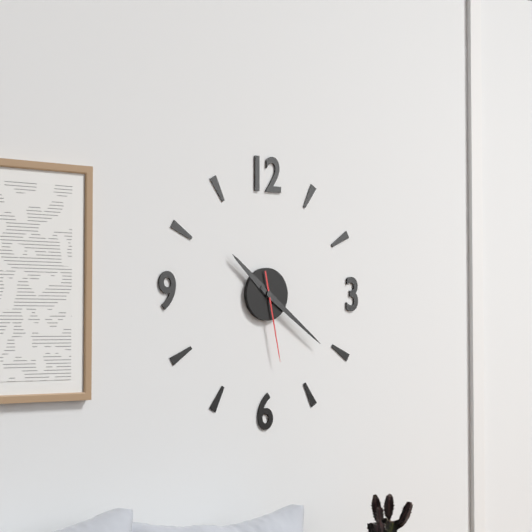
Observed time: 10:21:28
